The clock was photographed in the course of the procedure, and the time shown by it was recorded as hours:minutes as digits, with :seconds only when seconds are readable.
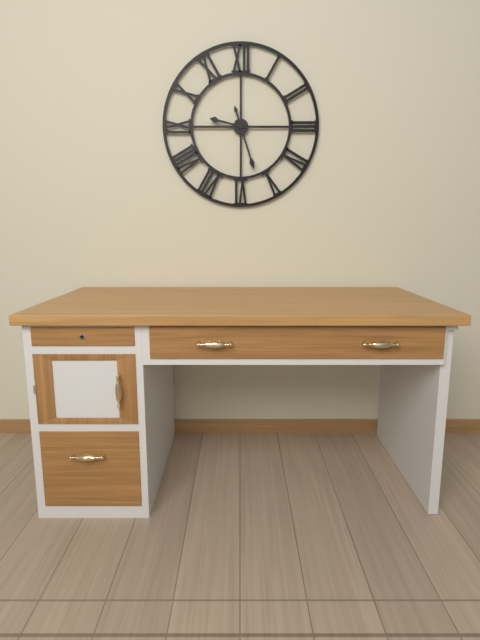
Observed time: 9:27
